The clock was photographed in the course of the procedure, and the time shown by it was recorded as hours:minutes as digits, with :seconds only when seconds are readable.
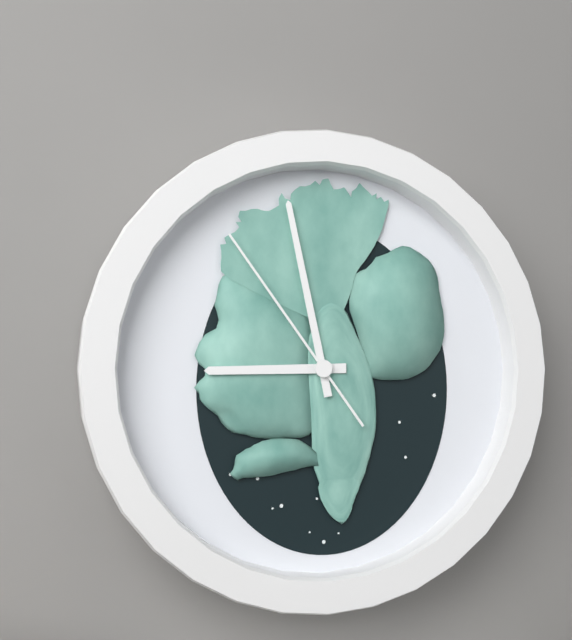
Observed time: 8:58:54
